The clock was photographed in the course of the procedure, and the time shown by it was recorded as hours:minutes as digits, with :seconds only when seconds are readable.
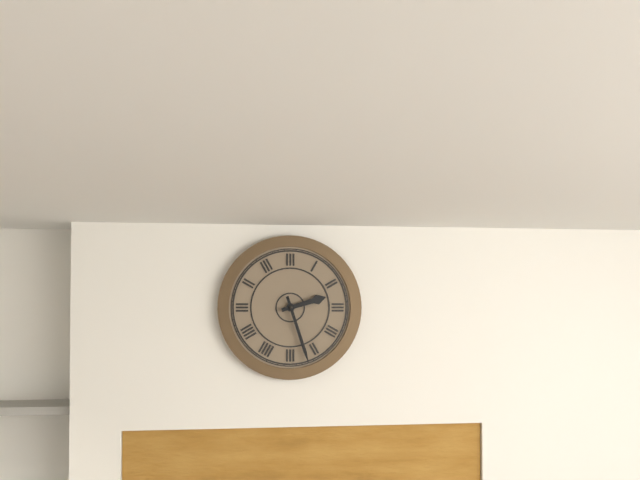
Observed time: 2:27
